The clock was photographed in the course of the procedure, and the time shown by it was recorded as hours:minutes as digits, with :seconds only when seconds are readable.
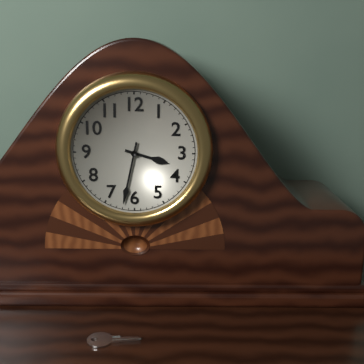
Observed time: 3:32
